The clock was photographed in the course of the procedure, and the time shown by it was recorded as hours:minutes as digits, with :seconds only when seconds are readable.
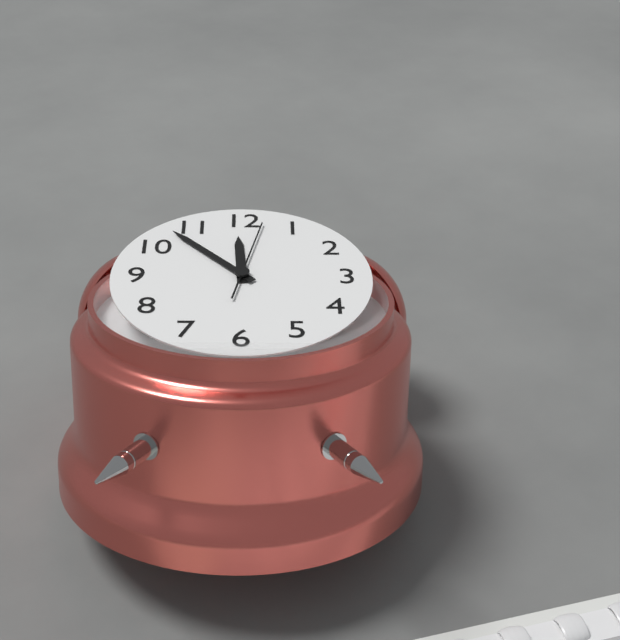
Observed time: 11:53:02
